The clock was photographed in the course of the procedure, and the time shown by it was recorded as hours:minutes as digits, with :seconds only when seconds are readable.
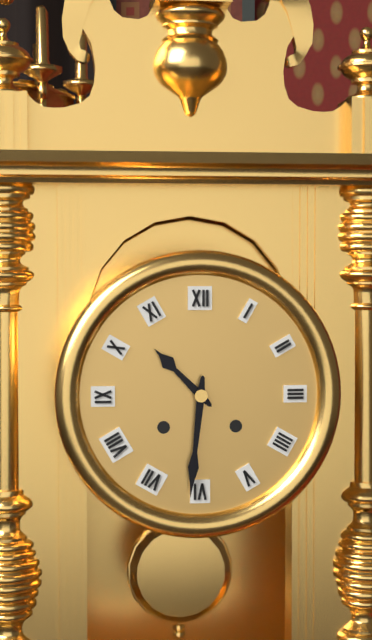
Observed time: 10:31
